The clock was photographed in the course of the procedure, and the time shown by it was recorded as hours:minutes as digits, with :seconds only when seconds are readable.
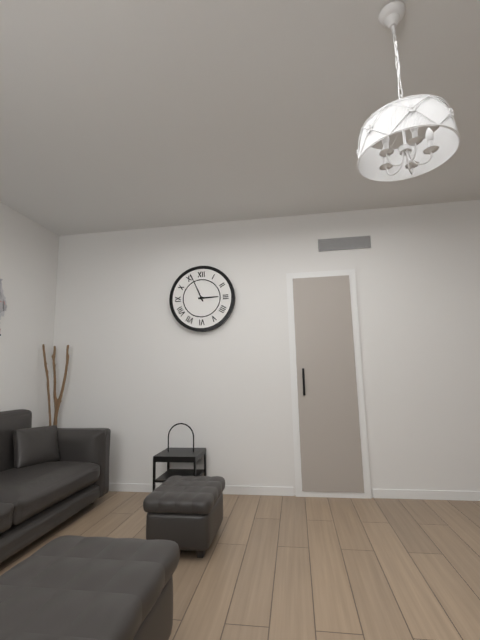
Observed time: 2:56
